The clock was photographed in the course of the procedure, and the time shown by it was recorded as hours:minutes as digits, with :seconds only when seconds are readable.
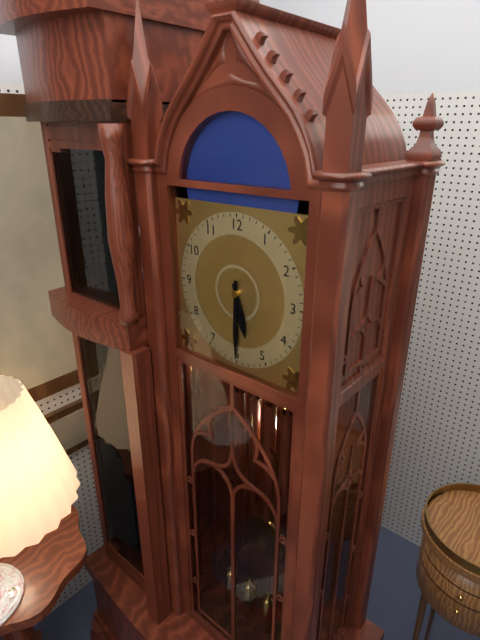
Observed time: 5:30
